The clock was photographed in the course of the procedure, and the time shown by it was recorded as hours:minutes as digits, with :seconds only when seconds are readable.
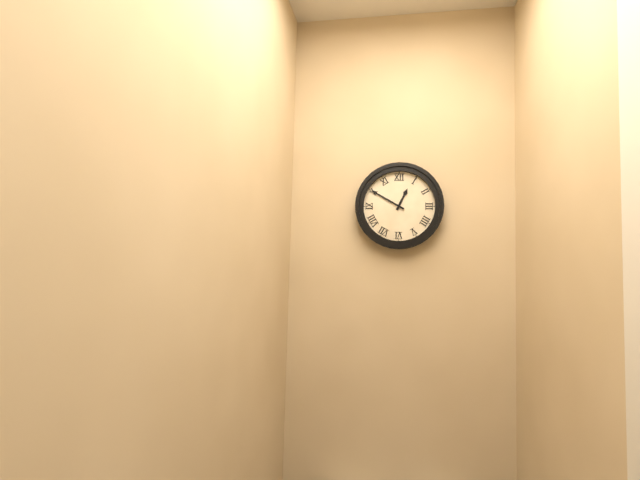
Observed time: 12:50
